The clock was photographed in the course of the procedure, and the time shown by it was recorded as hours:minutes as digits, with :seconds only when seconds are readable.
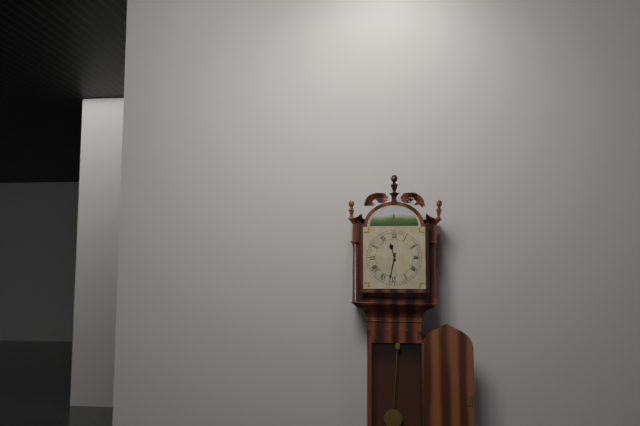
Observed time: 11:32
